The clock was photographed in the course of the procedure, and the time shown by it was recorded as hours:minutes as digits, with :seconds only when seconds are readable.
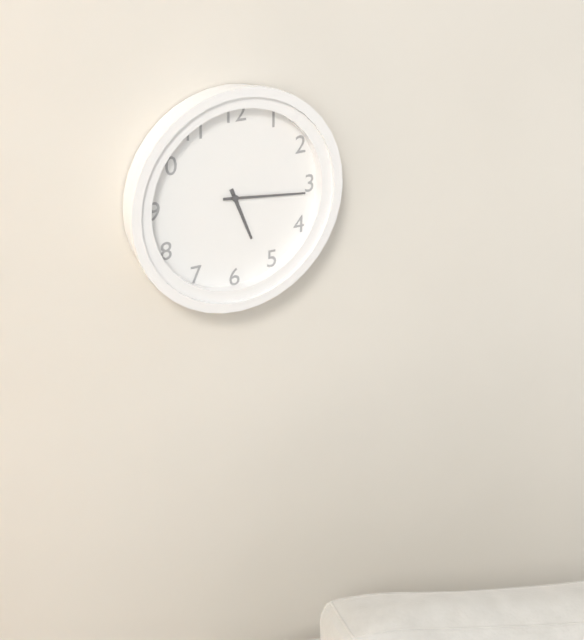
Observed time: 5:16
